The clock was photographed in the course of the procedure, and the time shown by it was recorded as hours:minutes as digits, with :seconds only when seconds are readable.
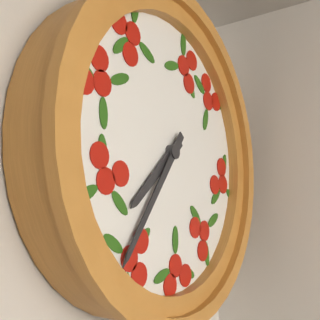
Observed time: 7:36
